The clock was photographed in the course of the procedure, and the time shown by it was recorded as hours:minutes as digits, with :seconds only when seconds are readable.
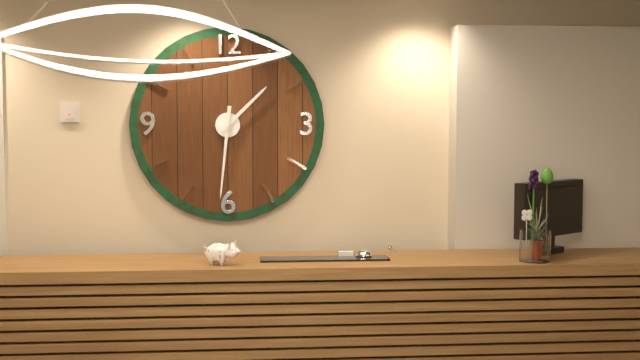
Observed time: 1:31
